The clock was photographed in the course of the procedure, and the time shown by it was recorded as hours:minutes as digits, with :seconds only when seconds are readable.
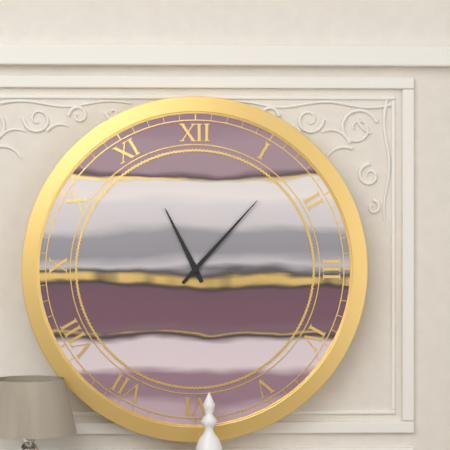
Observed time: 11:07
